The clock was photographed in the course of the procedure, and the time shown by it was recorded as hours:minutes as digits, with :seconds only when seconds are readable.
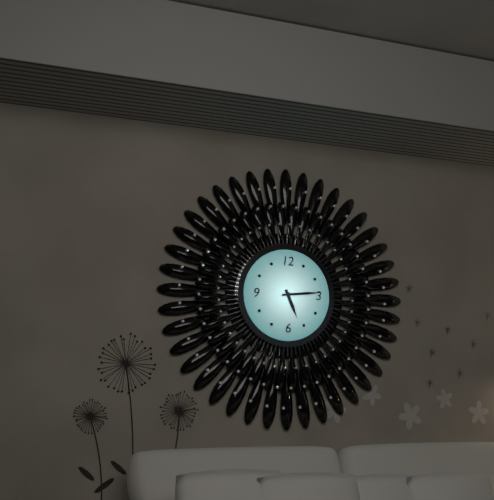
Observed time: 5:14
